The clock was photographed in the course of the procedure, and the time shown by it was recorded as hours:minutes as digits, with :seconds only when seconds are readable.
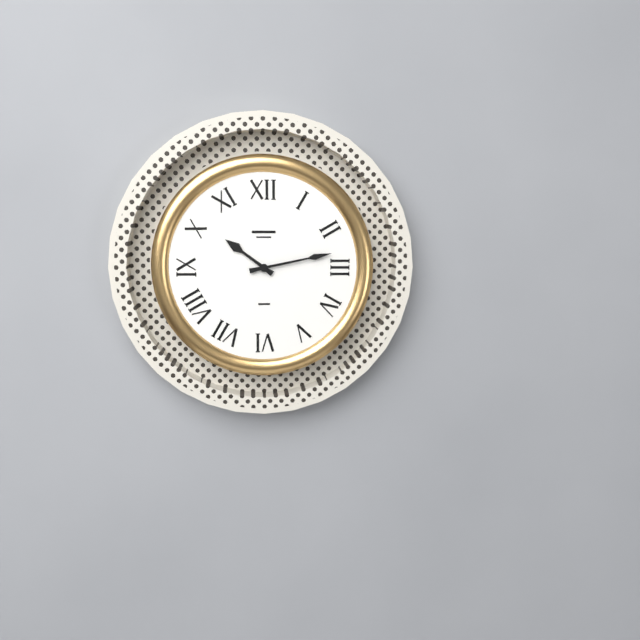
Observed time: 10:13
